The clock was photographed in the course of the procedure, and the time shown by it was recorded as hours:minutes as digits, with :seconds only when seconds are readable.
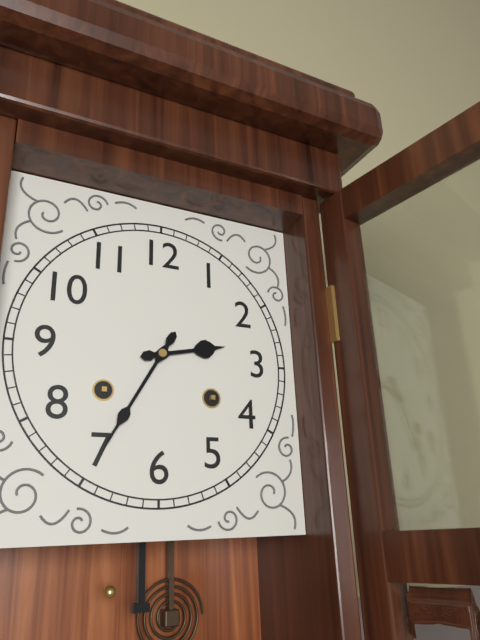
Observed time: 2:35
